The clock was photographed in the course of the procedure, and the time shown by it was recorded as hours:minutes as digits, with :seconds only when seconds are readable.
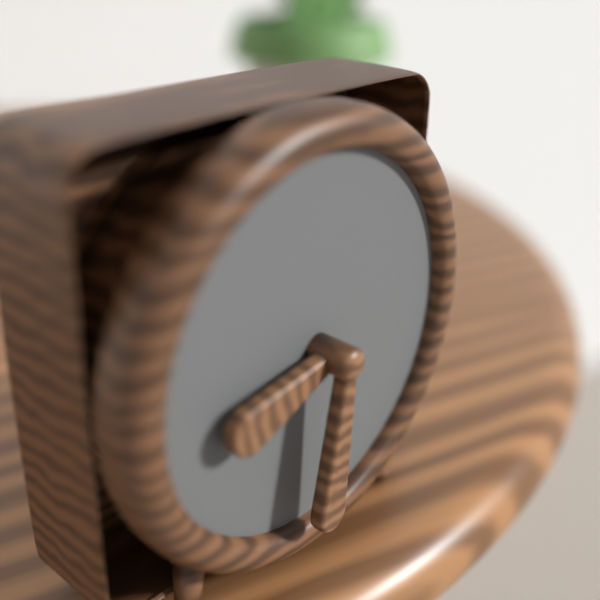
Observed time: 8:31
